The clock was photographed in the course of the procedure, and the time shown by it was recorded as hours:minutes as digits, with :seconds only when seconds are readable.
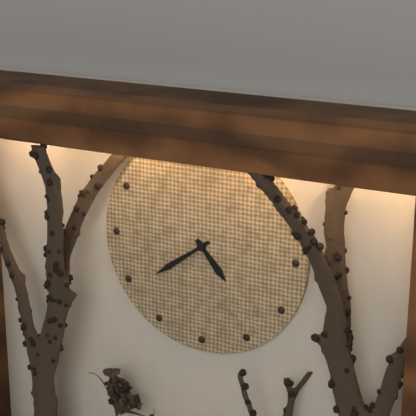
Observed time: 4:39
